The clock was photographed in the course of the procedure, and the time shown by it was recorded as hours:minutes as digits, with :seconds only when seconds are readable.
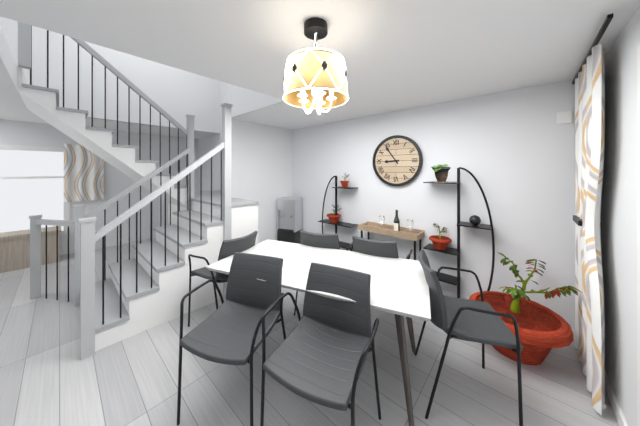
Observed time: 8:54
